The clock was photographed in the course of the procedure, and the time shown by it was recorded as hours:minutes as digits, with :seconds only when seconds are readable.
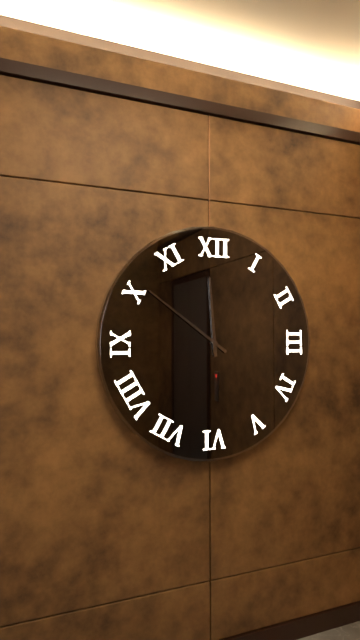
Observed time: 11:51
